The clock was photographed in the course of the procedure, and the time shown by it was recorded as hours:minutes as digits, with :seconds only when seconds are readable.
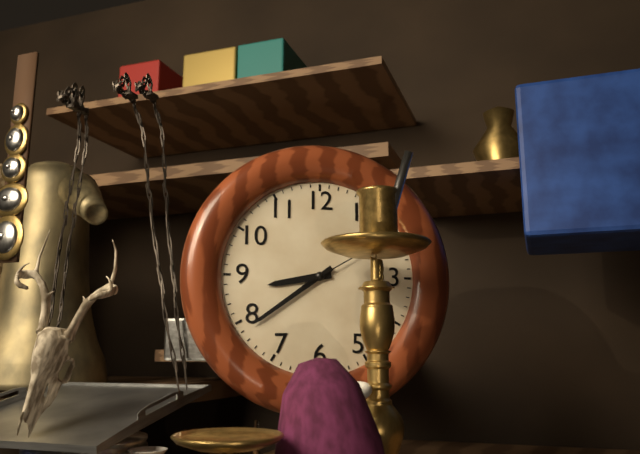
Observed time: 8:39
